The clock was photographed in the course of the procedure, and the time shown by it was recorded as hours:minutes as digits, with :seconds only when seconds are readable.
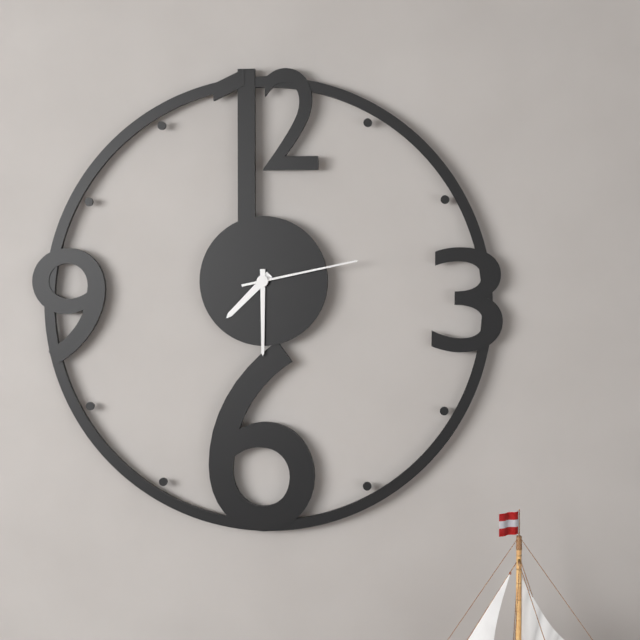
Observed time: 7:30:13
